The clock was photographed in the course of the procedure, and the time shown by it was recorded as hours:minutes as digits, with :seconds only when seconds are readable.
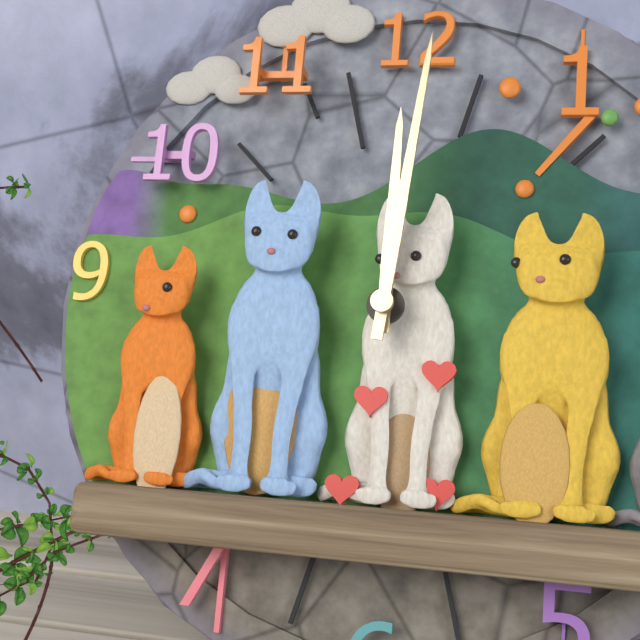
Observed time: 12:01
